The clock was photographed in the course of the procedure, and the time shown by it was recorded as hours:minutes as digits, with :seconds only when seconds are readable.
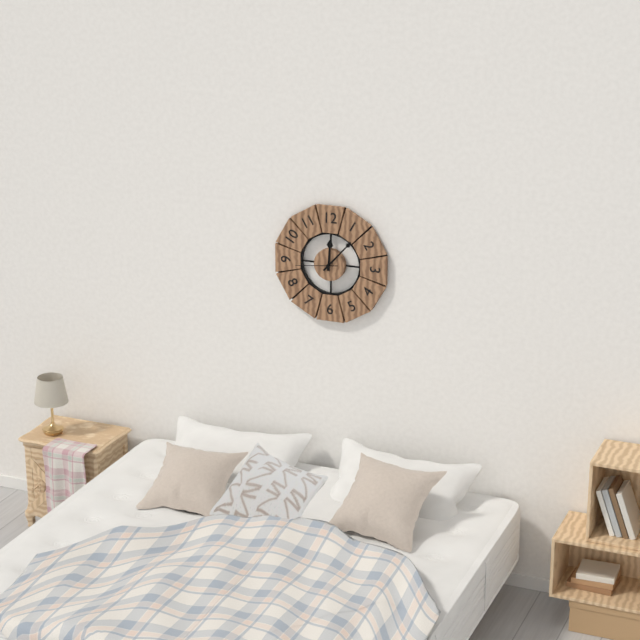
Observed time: 12:07
